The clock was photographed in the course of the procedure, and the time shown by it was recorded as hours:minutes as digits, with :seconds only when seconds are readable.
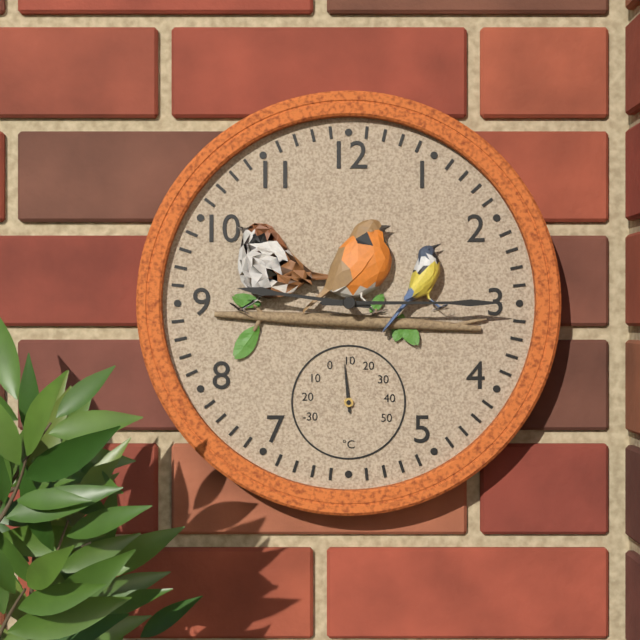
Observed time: 9:15
